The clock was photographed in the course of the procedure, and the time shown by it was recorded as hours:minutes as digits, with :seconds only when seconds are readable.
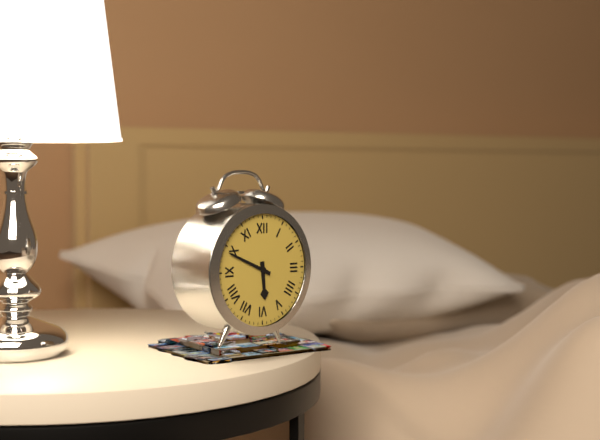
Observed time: 5:49
